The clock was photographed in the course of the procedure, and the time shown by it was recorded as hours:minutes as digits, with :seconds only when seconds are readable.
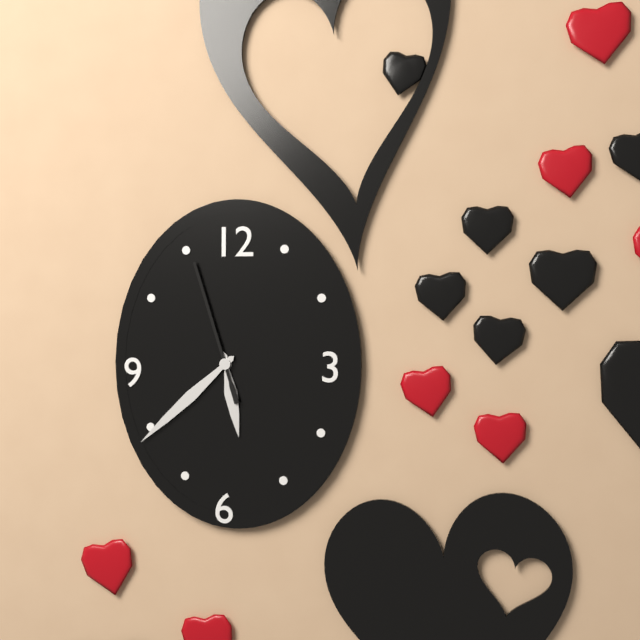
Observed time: 5:38:57
